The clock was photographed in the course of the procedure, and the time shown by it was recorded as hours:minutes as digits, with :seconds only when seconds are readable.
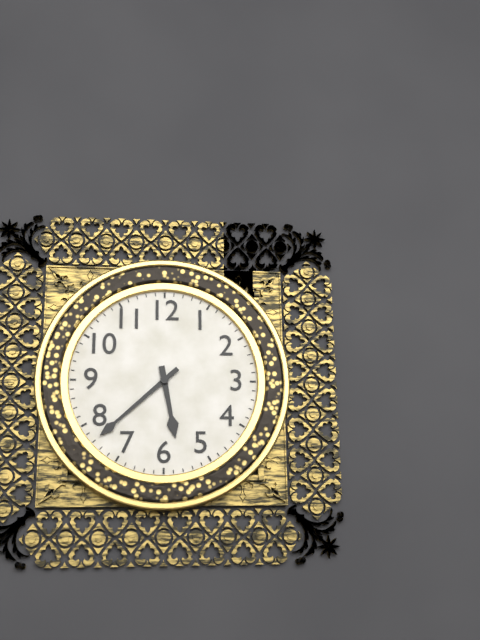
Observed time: 5:38
